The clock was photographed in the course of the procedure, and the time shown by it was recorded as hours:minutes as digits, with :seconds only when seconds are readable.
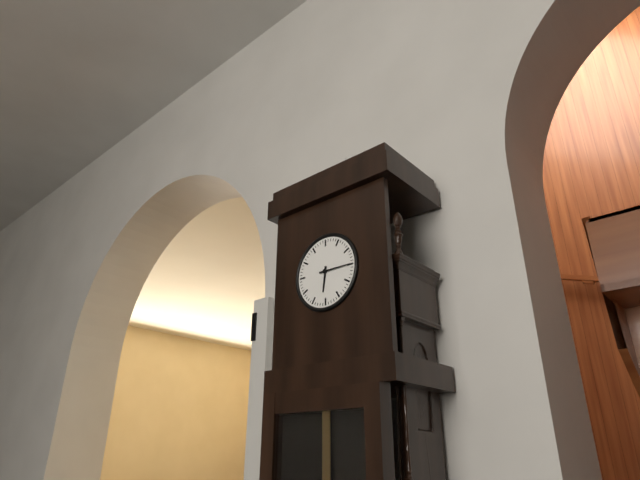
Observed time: 6:15
